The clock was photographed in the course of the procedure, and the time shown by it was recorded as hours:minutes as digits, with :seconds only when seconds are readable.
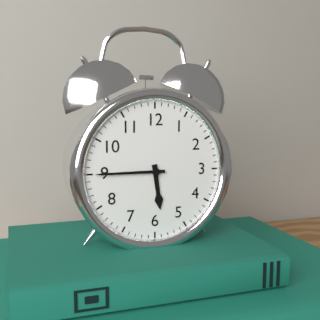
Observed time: 5:45
